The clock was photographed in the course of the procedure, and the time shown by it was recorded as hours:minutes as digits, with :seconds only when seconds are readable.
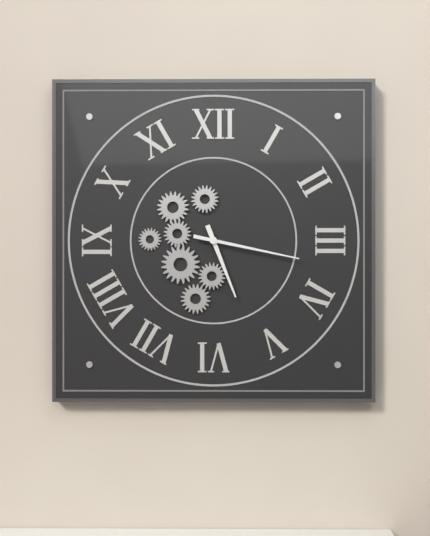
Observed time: 5:17
